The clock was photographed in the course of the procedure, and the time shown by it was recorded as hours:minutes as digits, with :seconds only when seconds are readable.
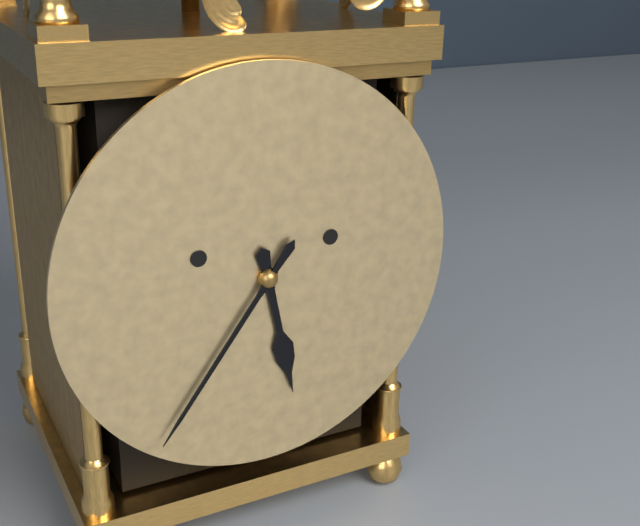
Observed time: 5:36
